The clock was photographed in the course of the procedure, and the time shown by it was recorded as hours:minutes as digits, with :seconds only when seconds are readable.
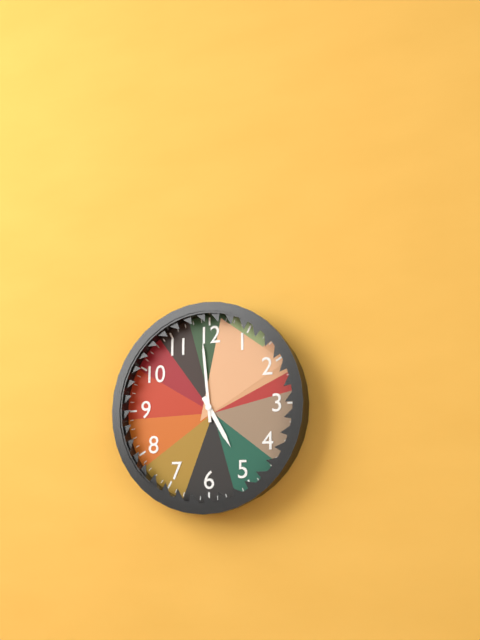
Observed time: 4:59
